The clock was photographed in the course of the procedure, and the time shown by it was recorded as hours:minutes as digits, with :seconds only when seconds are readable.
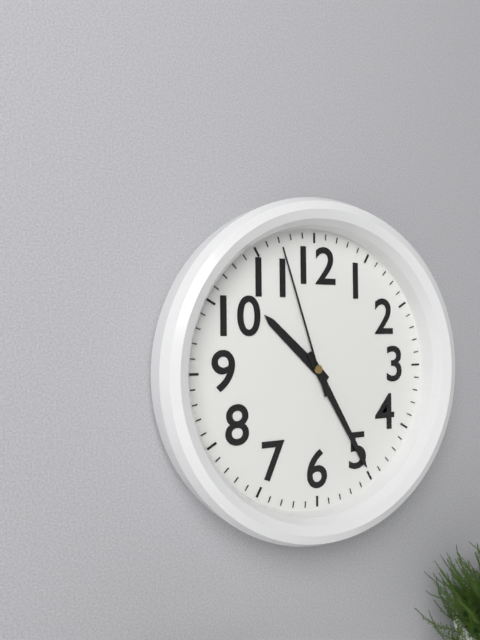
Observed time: 10:25:57
